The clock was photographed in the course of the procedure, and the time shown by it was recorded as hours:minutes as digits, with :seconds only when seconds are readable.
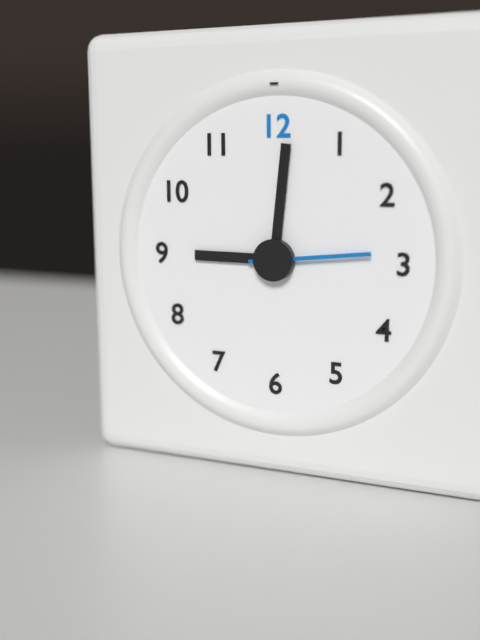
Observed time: 9:01:14
